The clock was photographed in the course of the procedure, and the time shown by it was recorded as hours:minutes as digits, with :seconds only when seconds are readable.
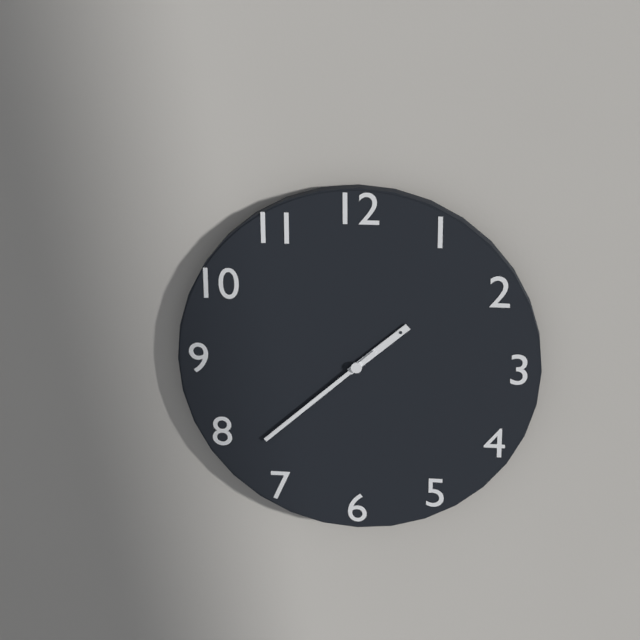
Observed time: 1:38
